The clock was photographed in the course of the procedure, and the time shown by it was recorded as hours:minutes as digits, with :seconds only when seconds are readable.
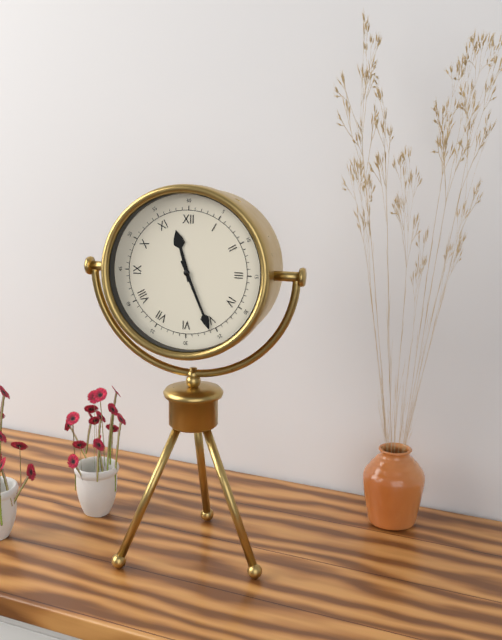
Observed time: 11:26
